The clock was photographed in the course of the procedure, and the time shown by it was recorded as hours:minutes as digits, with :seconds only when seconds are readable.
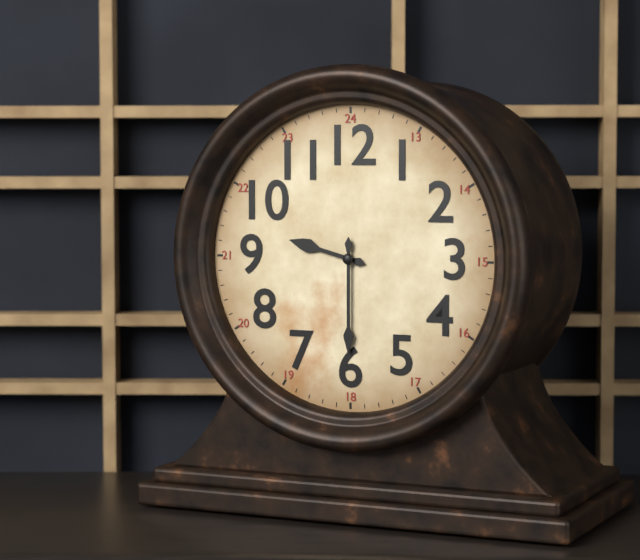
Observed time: 9:30
